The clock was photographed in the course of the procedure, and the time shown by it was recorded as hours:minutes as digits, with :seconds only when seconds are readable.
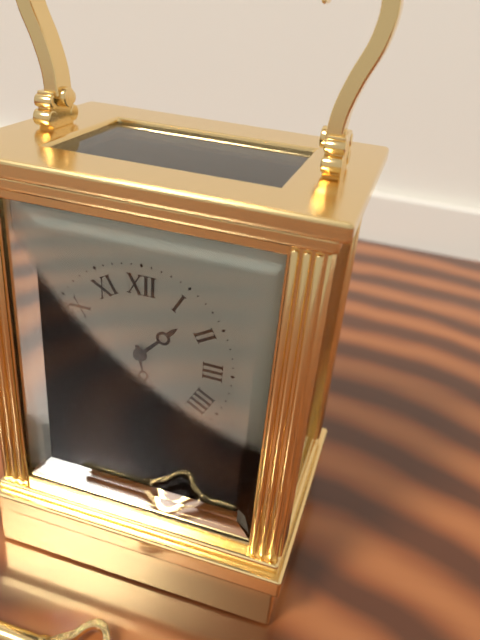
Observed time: 1:28
